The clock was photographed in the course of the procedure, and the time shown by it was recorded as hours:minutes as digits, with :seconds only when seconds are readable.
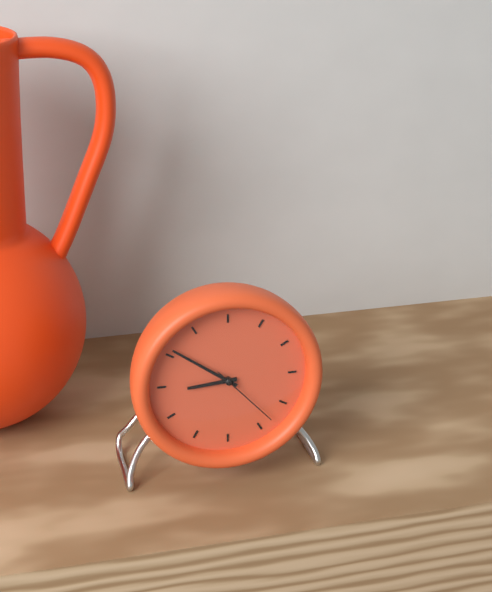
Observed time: 8:51:23
